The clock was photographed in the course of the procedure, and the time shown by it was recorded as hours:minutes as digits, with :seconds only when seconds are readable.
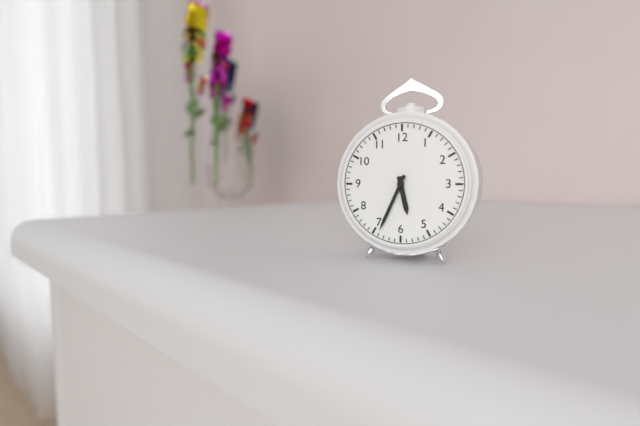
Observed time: 5:34
